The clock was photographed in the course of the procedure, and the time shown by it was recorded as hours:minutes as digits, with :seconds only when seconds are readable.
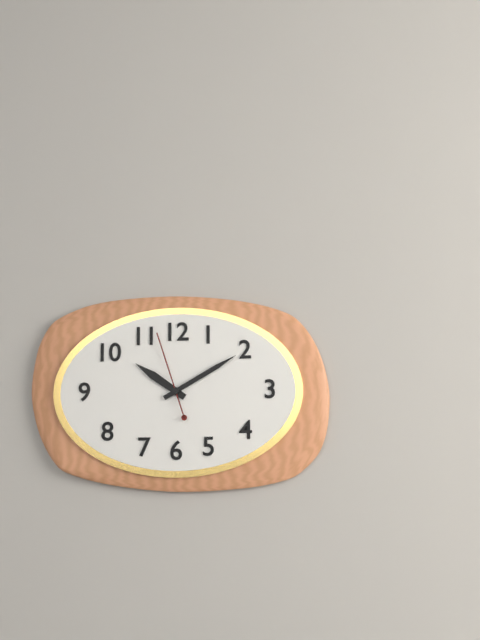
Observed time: 10:10:57
